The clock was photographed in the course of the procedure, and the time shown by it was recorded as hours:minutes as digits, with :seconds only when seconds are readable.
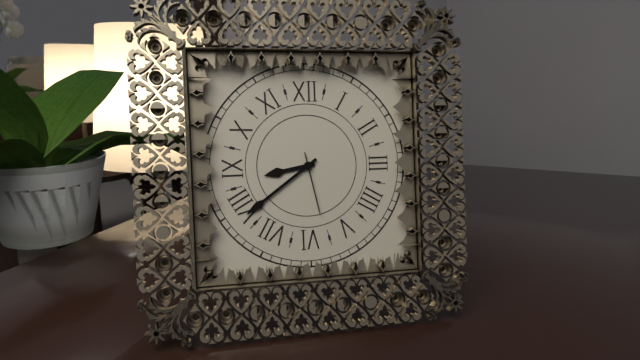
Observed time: 8:39:28
